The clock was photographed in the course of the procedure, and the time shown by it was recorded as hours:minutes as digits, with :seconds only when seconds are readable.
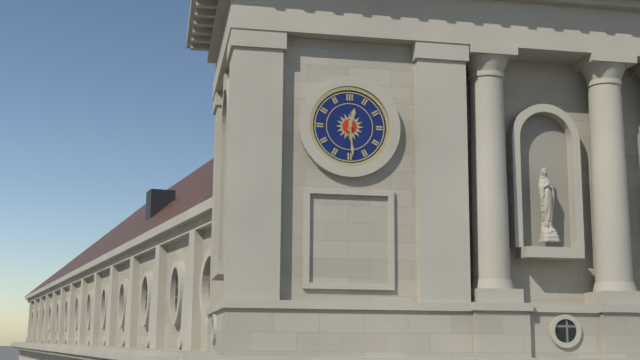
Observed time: 12:29
